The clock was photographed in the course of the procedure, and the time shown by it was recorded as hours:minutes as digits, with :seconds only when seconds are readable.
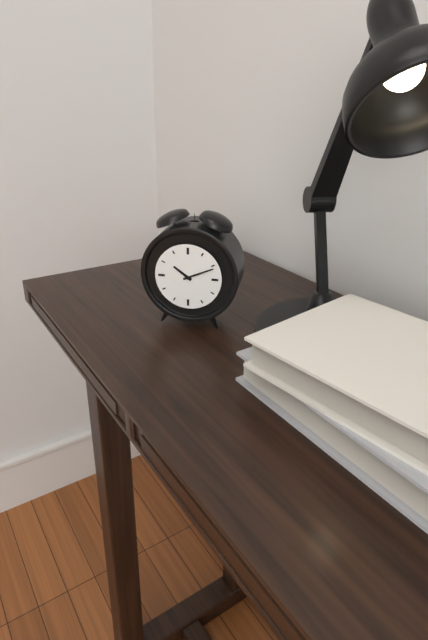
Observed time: 10:11
